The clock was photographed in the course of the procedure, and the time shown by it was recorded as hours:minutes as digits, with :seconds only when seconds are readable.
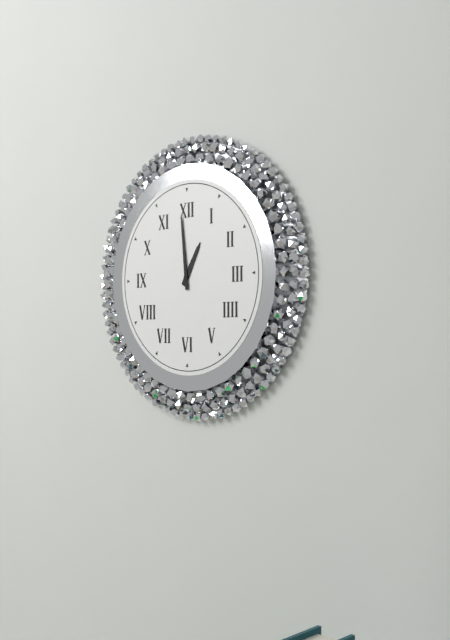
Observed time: 12:59
